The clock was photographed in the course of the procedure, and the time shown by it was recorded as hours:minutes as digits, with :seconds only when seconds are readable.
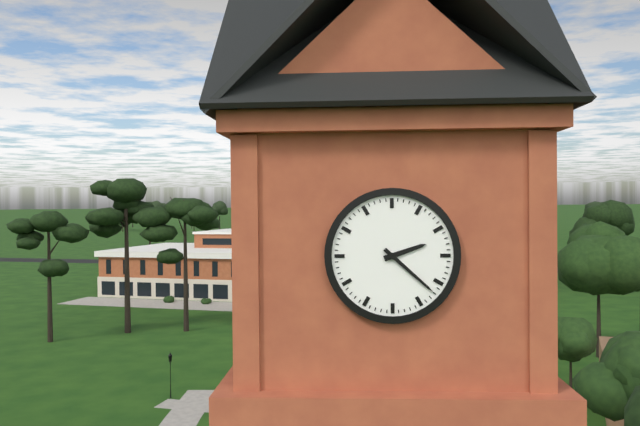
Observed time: 2:22
